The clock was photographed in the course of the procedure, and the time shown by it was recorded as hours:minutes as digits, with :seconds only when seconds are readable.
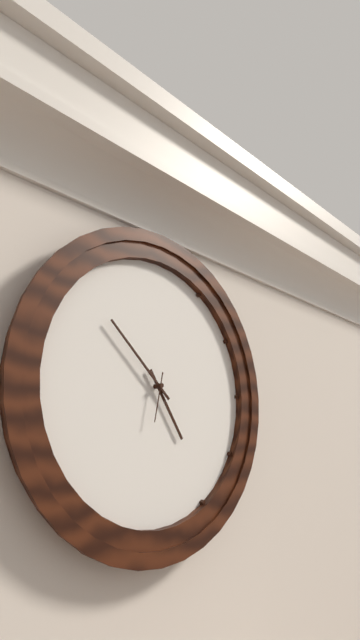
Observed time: 4:52
